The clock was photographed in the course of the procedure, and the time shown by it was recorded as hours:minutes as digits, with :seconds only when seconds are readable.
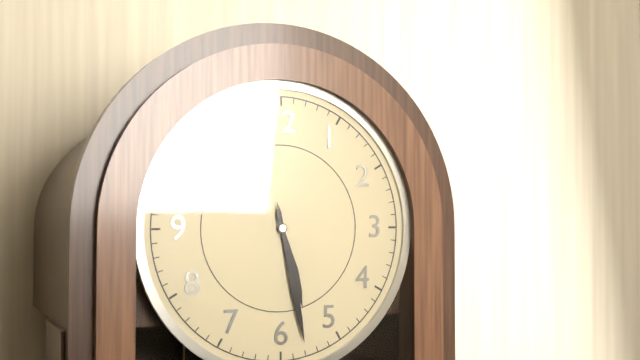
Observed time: 5:28
